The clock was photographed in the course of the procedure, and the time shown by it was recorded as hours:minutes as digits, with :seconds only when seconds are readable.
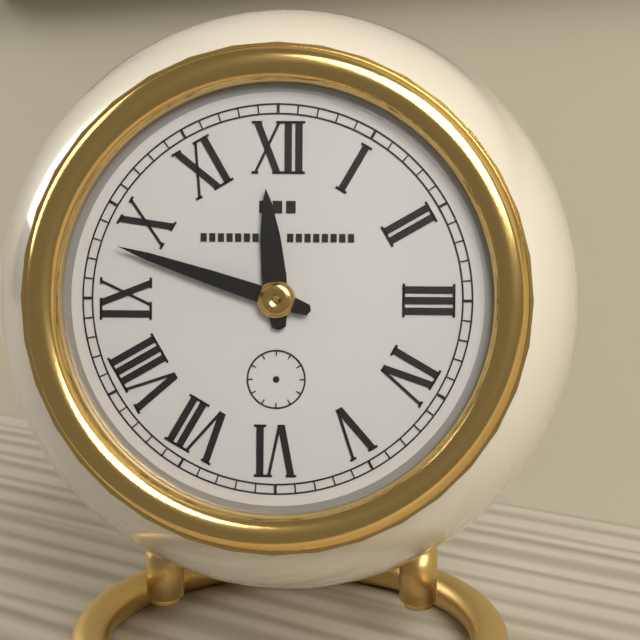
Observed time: 11:48
